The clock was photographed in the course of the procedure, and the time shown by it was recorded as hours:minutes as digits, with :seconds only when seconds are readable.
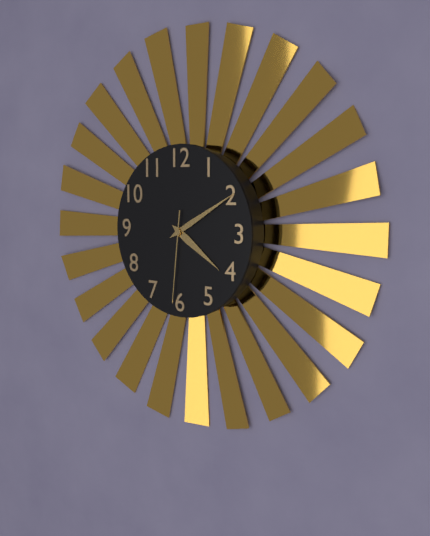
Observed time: 4:10:31
